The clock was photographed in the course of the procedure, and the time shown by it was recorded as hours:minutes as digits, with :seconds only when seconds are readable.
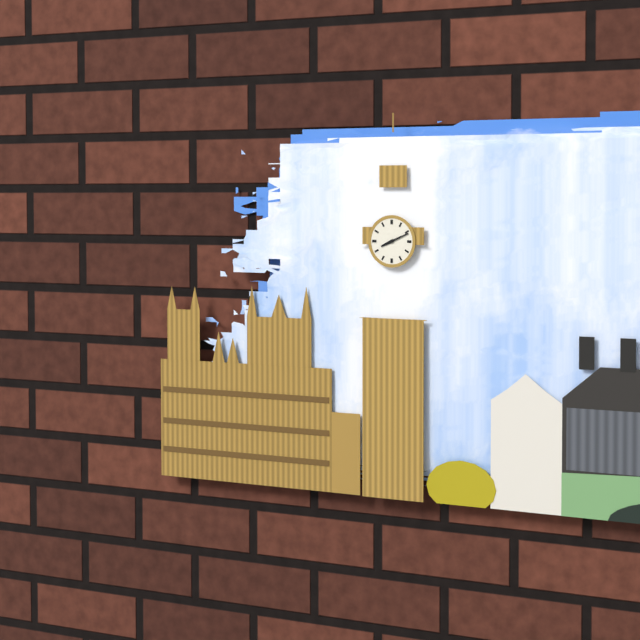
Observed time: 8:11
